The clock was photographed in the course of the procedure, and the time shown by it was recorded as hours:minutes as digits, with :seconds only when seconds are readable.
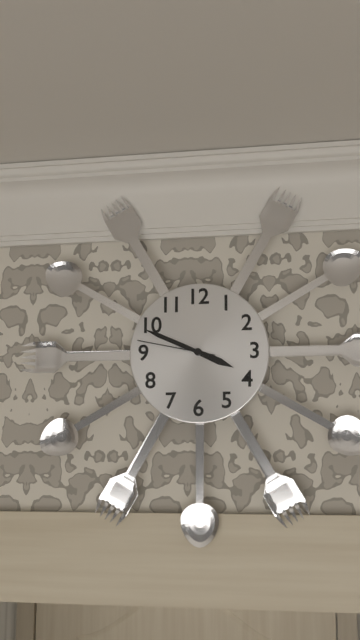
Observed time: 3:49:47
